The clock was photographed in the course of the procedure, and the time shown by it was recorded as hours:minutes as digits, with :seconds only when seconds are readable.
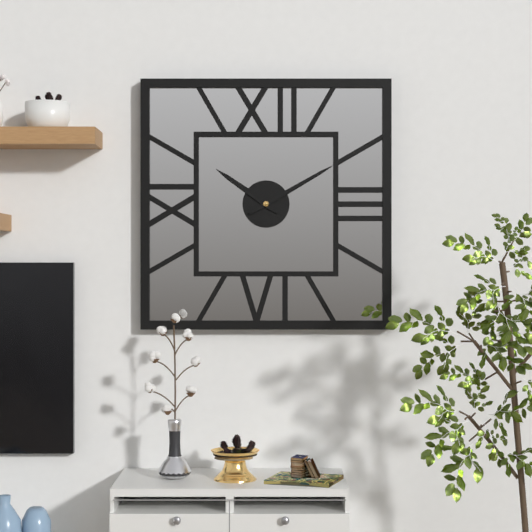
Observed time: 10:10
